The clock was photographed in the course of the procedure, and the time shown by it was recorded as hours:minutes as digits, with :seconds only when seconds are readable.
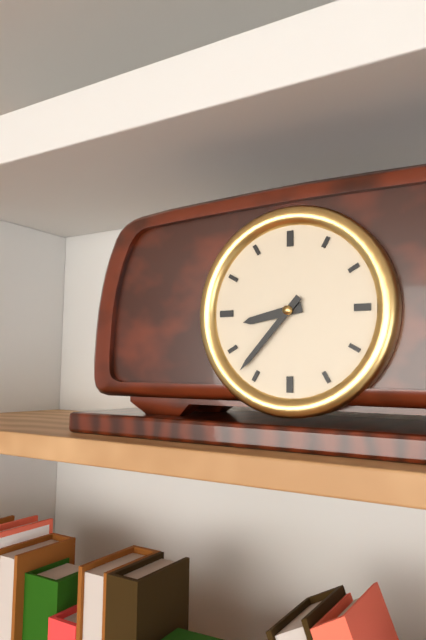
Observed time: 8:37
